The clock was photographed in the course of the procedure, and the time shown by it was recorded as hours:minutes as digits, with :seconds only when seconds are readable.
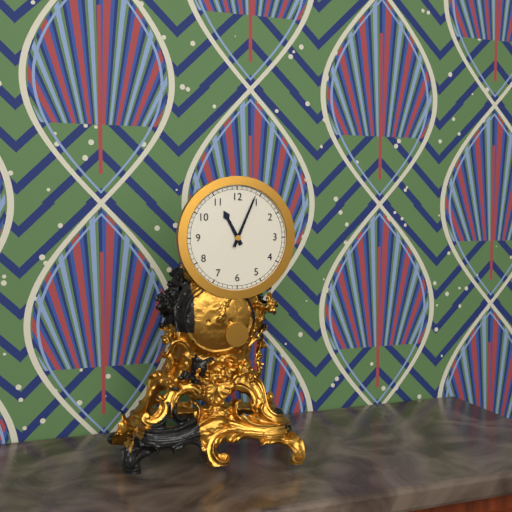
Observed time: 11:04
